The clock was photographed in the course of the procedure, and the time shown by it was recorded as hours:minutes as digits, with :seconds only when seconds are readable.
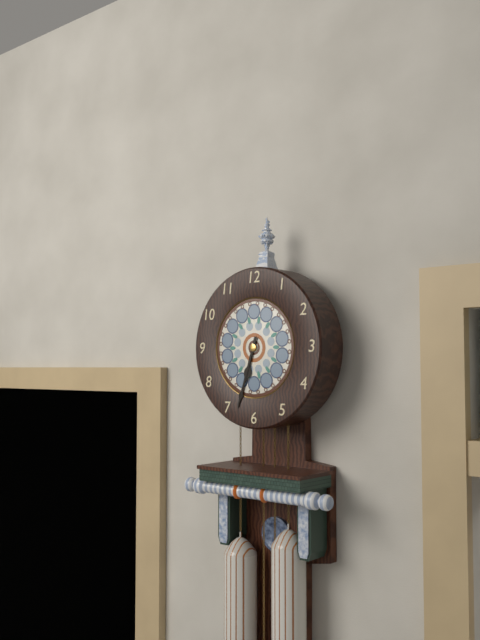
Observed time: 6:33
